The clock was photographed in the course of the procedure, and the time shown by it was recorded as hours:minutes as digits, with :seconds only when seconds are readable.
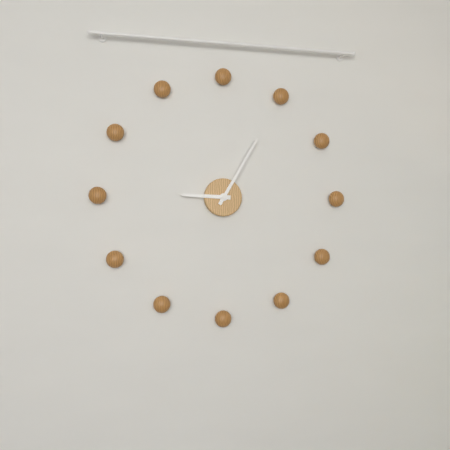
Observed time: 9:05
